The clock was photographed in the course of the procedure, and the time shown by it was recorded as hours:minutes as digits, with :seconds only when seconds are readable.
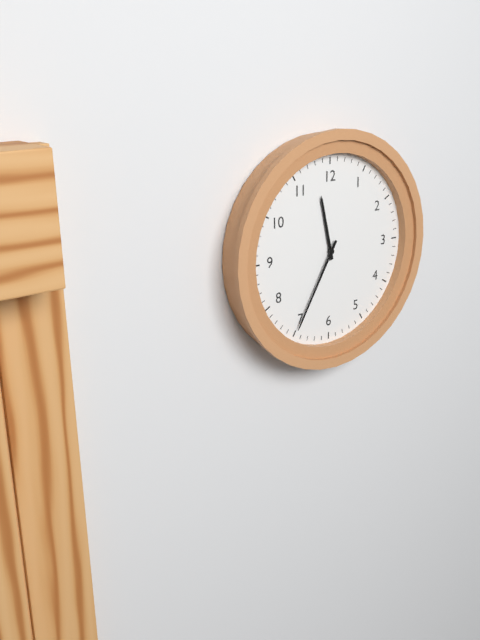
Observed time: 11:35
